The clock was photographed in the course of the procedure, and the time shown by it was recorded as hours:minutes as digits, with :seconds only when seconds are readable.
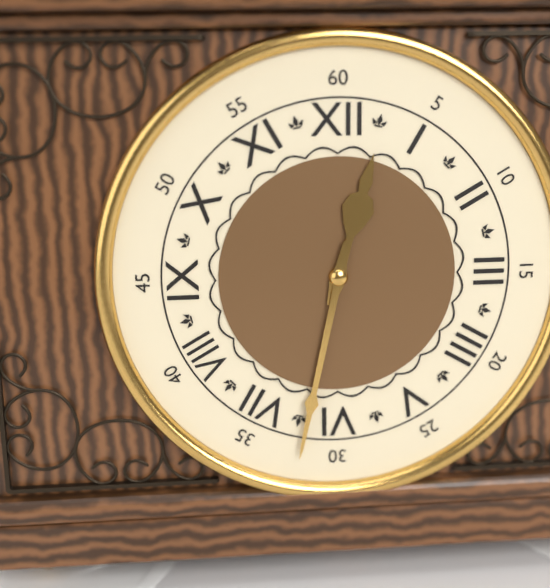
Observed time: 12:32
